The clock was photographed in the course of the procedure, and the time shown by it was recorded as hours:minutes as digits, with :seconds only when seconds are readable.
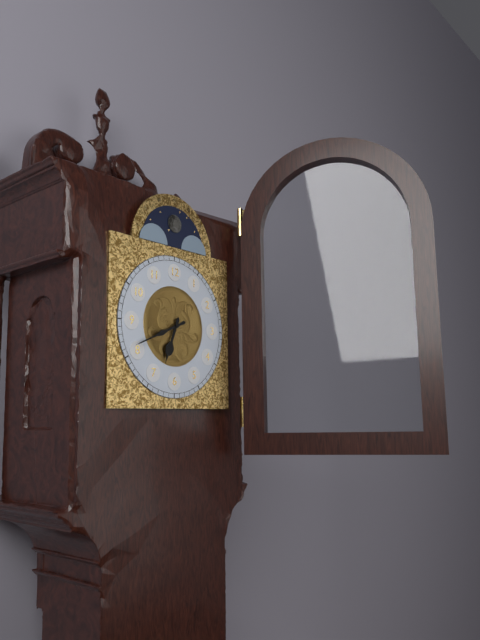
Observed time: 6:41
